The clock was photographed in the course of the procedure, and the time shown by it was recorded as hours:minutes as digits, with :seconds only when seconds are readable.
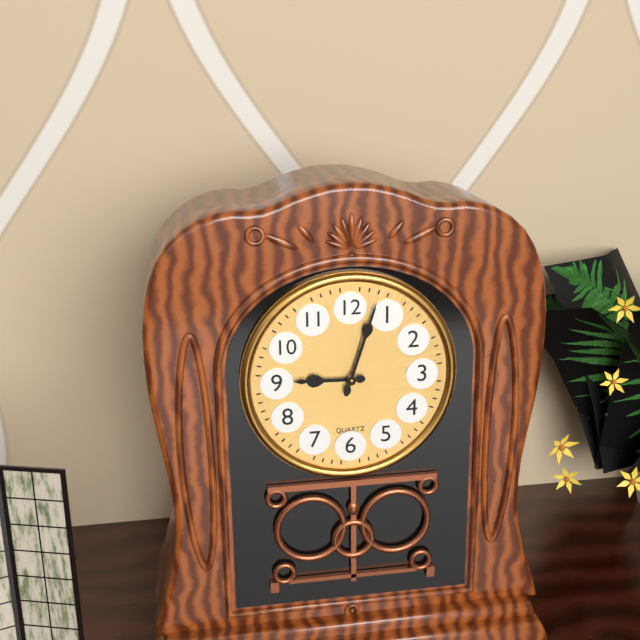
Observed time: 9:03
